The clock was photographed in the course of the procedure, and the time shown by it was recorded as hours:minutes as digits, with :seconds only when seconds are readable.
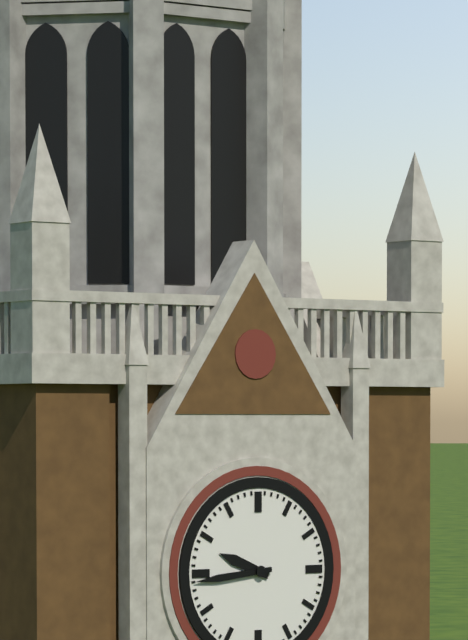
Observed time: 9:44
